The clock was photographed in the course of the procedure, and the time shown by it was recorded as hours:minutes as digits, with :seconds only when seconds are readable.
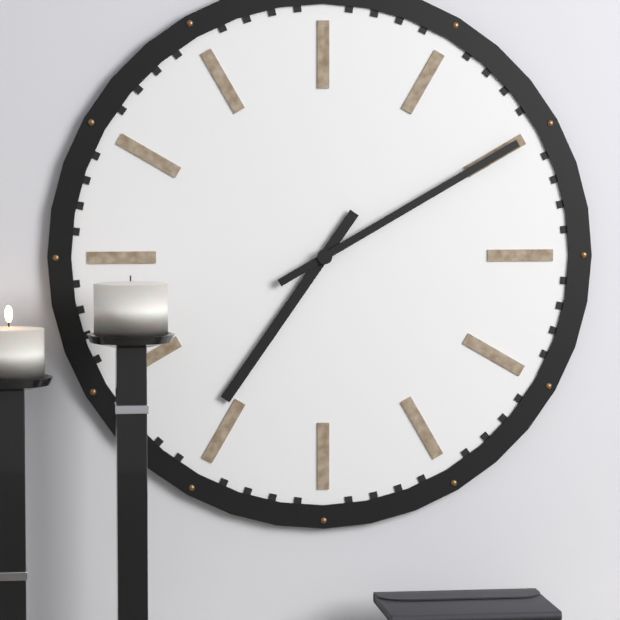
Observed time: 7:10
